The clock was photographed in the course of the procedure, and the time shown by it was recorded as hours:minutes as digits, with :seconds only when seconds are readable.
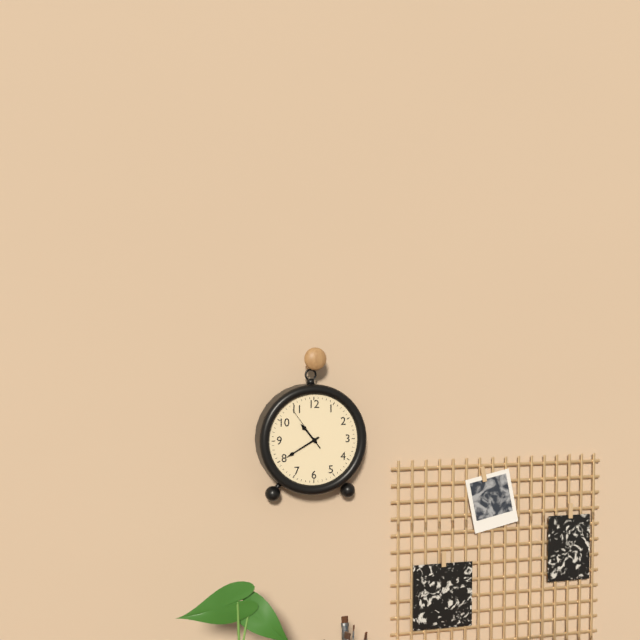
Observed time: 10:40
